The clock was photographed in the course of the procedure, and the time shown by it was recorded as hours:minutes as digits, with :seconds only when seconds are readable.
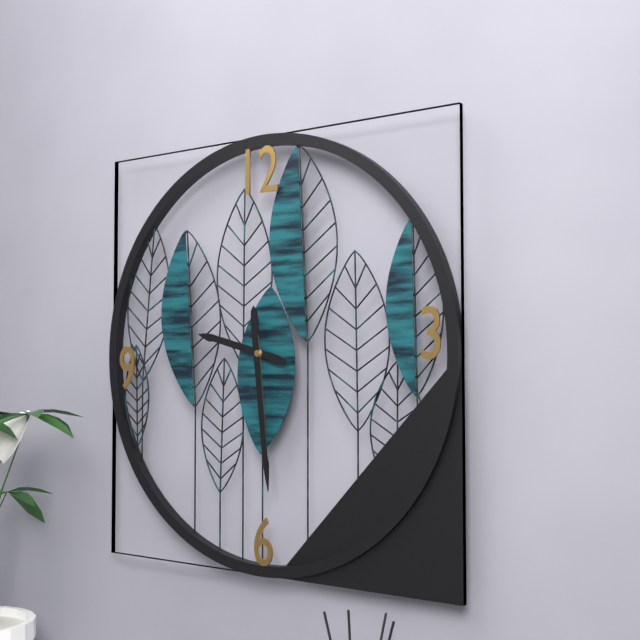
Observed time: 9:29
